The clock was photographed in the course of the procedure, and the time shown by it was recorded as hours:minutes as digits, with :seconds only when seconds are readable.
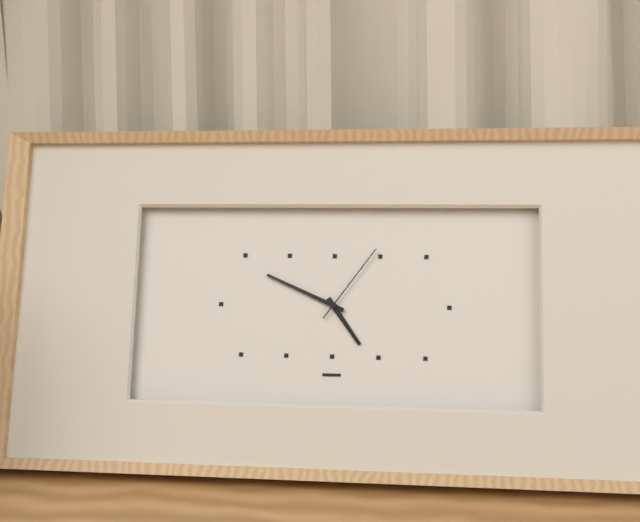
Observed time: 4:49:06
